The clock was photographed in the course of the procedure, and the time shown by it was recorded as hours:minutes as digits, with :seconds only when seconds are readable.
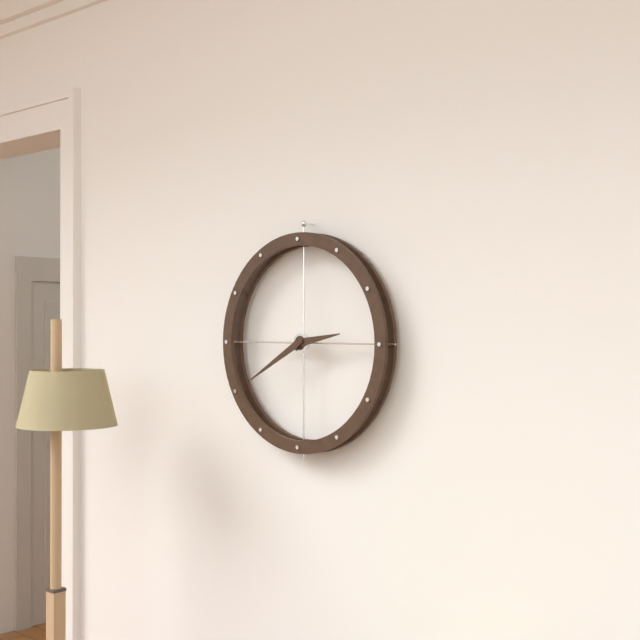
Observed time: 2:40
